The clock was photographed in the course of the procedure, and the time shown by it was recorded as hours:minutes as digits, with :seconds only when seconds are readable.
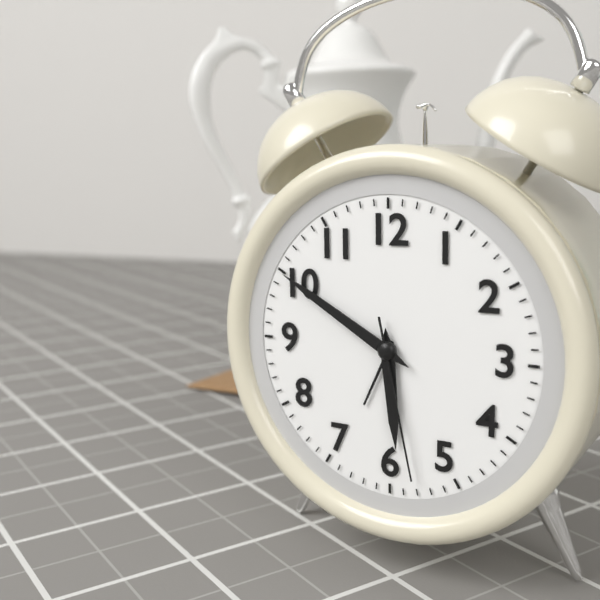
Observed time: 5:50:28
